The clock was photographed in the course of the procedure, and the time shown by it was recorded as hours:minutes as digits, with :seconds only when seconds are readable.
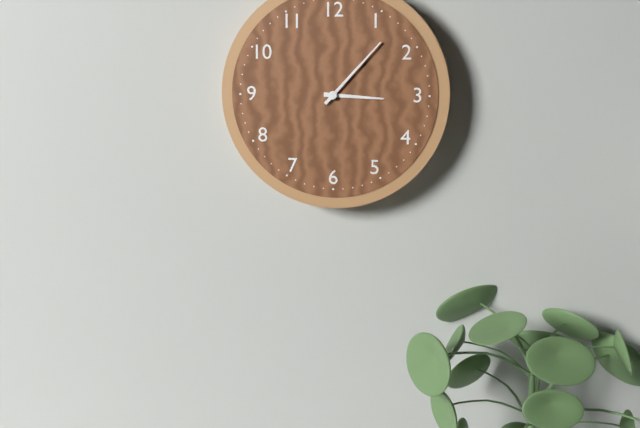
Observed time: 3:07
